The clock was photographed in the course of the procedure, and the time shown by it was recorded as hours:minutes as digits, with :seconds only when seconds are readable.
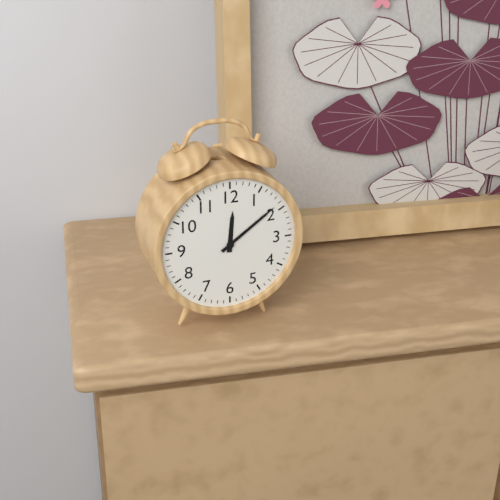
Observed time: 12:09
